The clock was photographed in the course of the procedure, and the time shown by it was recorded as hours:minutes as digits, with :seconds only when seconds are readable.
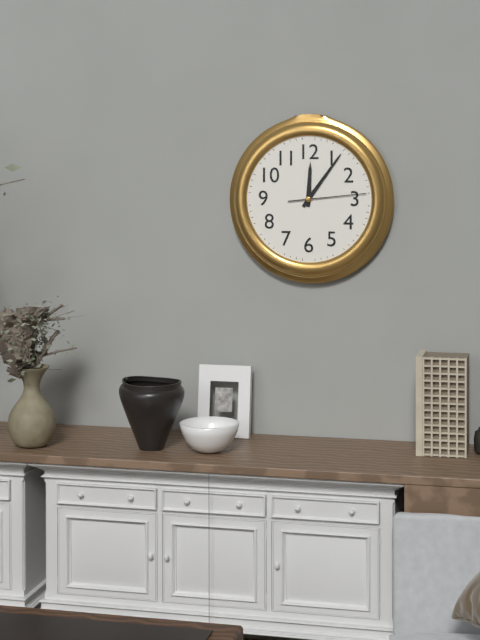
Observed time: 12:06:14
